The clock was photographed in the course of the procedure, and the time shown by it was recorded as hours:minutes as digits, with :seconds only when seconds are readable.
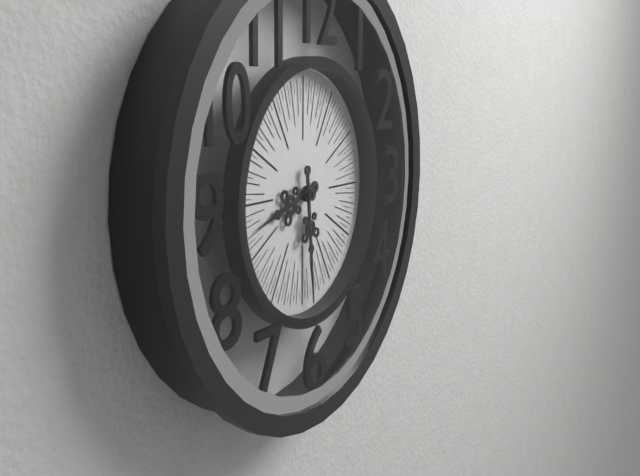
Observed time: 8:29
